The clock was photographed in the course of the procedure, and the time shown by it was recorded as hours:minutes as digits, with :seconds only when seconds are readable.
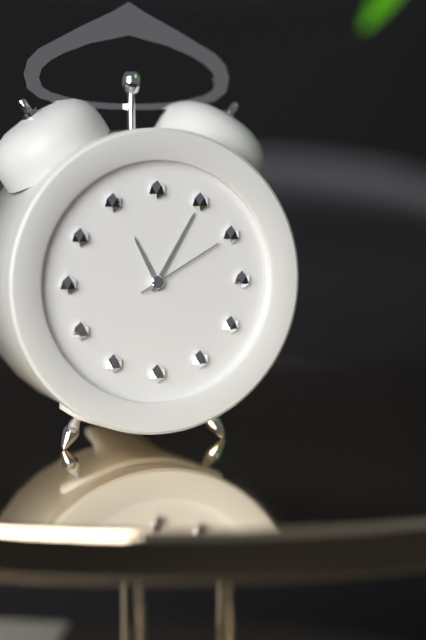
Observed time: 11:05:10
